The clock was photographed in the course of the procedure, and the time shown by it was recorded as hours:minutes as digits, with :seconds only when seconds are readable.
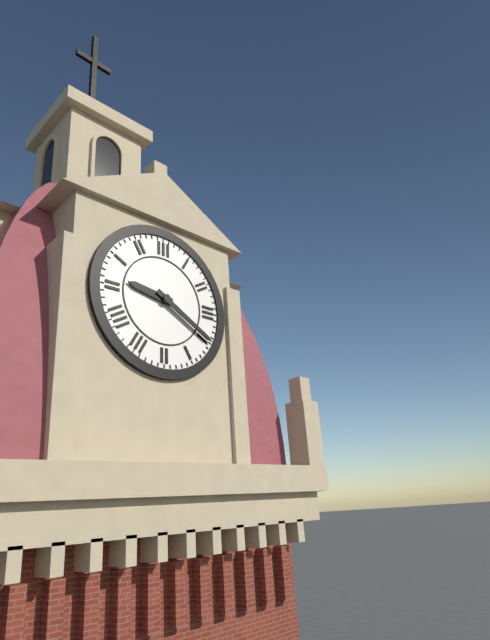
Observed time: 9:20
